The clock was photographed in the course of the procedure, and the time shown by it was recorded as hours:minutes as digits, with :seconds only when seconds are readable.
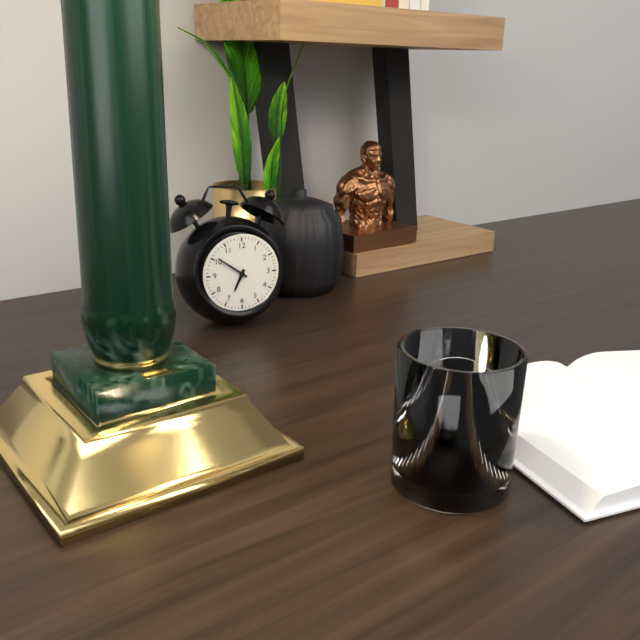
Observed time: 6:51
